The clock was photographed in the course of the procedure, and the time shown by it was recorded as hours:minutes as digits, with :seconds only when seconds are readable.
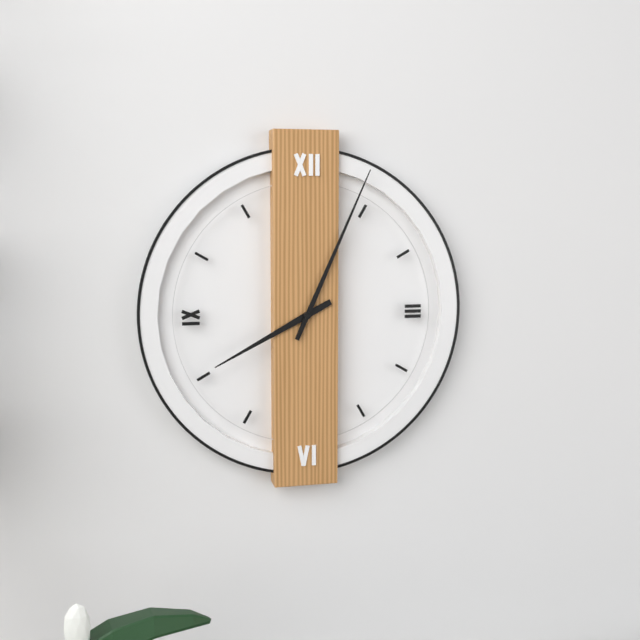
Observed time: 8:04
